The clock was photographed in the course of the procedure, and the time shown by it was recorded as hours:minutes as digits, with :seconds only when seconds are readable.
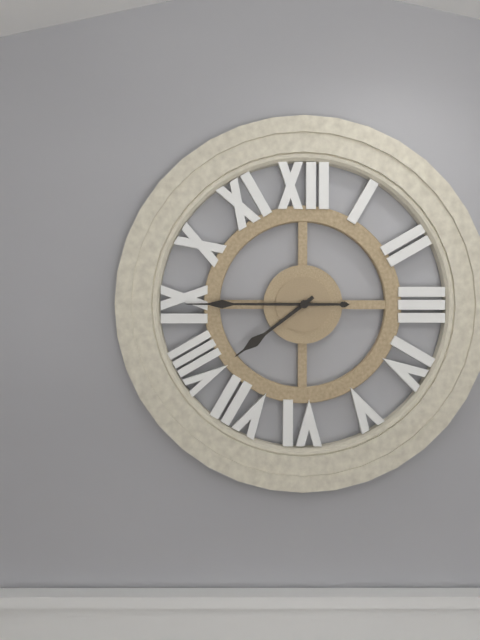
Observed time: 7:45
